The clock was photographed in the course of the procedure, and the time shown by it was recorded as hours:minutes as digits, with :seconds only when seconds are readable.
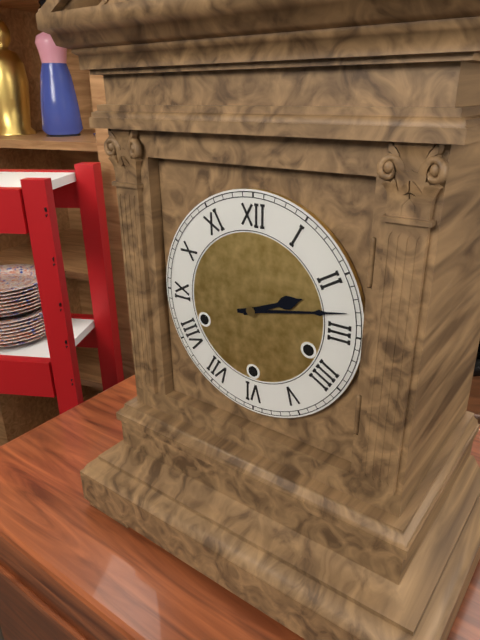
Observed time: 2:13
